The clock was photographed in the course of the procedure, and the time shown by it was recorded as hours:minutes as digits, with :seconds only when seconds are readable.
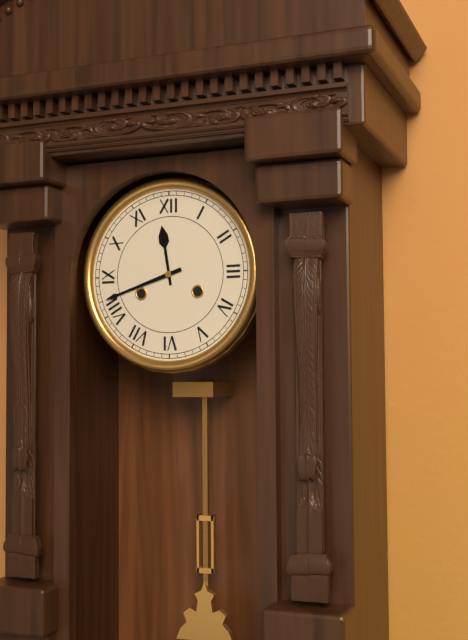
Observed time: 11:42
